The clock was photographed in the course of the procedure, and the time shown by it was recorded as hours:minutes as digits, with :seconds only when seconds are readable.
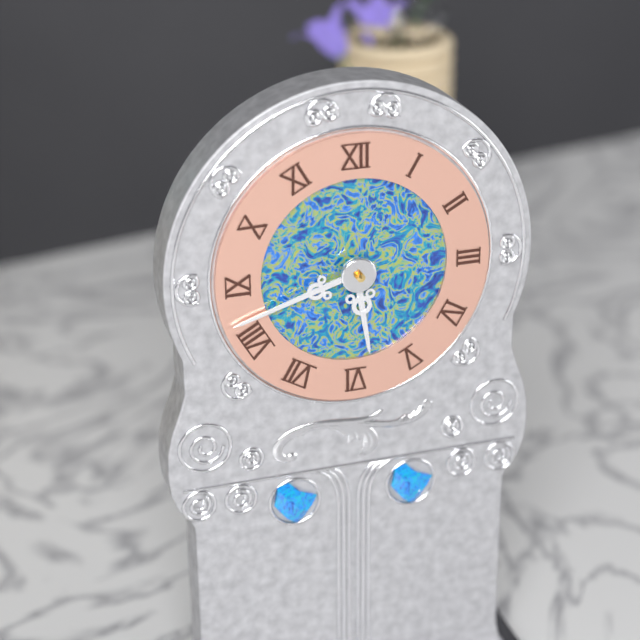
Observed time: 5:42
